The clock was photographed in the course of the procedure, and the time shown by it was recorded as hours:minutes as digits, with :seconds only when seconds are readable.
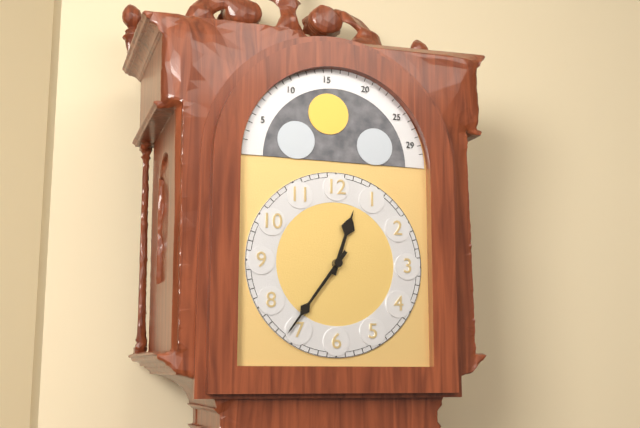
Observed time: 12:36
